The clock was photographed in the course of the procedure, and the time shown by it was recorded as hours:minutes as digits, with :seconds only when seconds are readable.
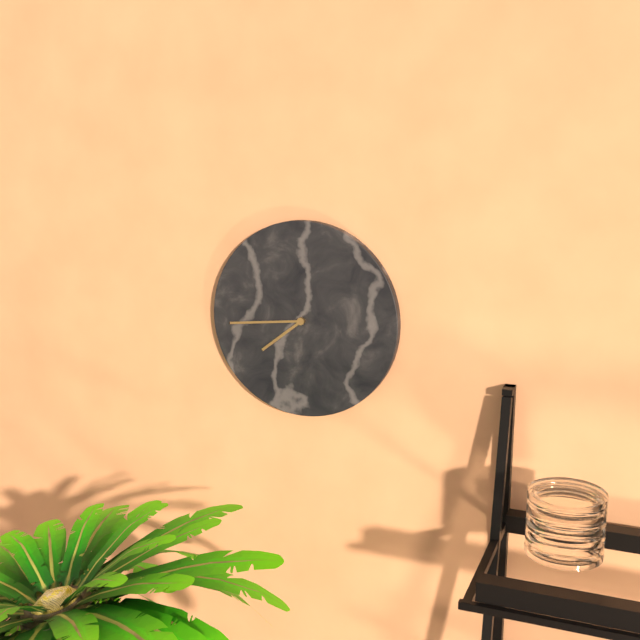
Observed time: 7:44
